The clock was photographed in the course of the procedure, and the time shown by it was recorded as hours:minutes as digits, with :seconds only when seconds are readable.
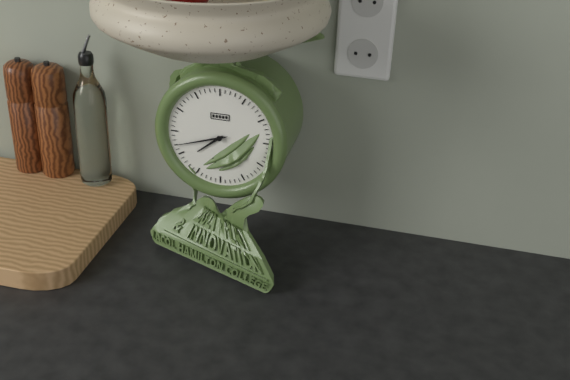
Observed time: 7:42
